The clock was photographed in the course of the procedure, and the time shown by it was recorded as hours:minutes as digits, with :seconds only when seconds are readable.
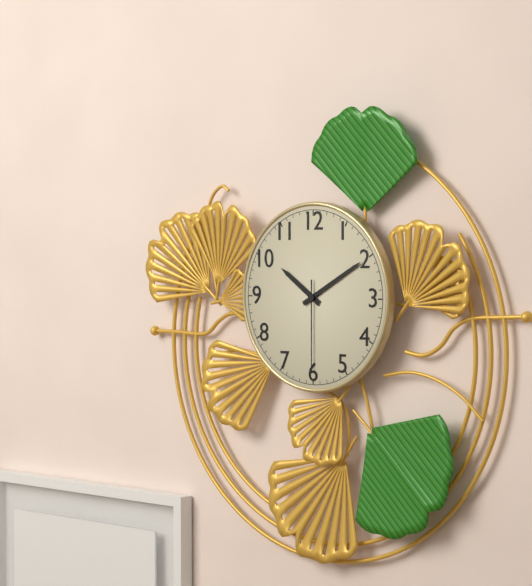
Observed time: 10:10:30
